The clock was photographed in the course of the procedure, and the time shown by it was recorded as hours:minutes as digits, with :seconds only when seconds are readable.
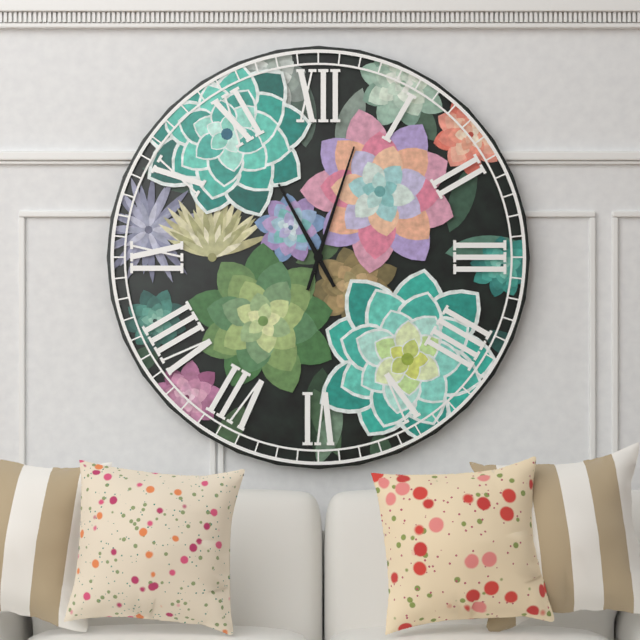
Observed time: 11:03
